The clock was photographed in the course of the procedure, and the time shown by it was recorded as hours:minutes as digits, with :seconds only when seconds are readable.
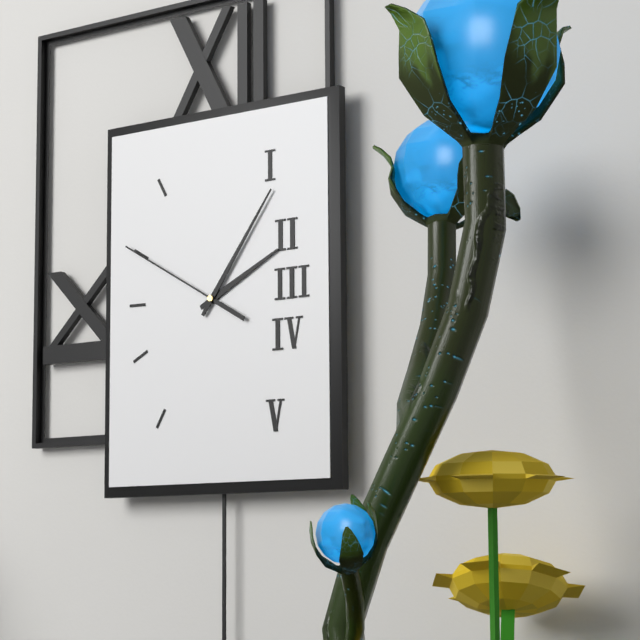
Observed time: 2:06:50
